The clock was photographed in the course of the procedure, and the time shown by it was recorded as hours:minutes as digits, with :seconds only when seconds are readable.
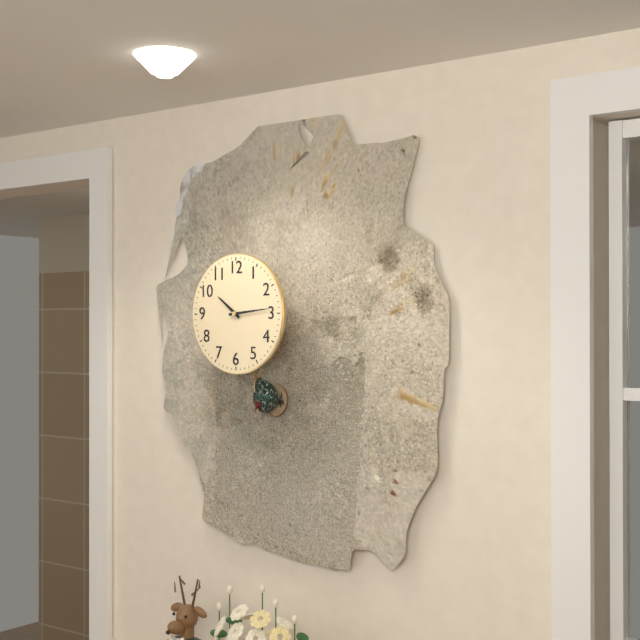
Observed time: 10:14
